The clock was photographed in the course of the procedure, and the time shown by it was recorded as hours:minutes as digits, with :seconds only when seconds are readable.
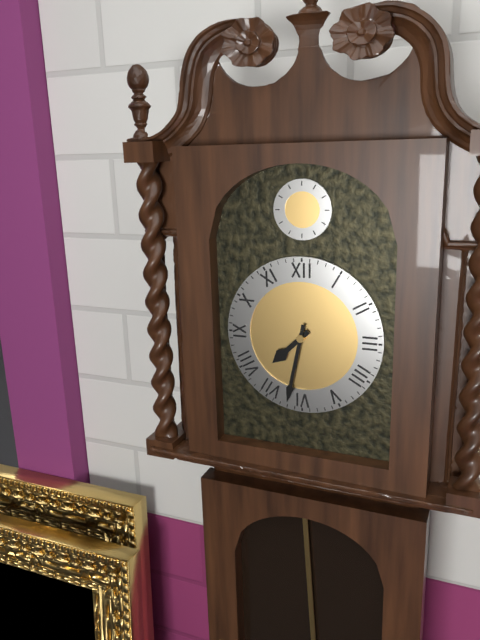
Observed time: 7:32
